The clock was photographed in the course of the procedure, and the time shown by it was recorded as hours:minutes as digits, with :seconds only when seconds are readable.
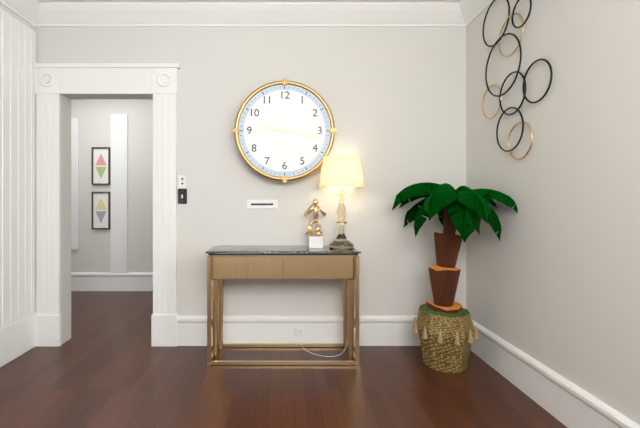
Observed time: 9:17
